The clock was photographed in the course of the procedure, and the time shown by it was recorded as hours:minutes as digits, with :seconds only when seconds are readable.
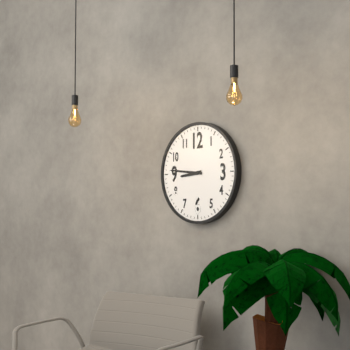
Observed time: 8:46
